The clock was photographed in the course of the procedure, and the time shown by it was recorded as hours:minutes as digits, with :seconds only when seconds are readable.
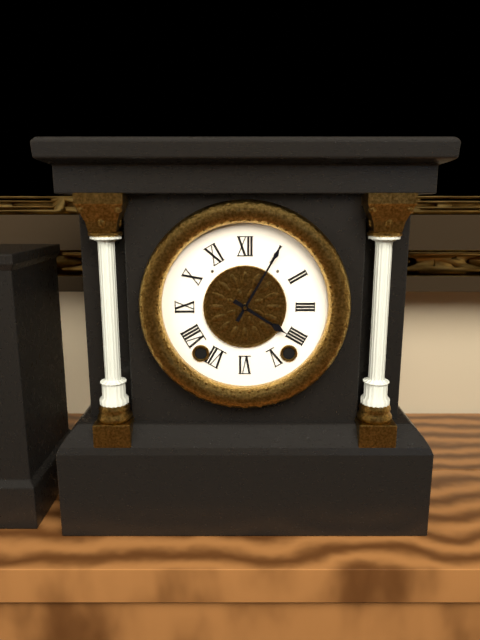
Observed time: 4:05
